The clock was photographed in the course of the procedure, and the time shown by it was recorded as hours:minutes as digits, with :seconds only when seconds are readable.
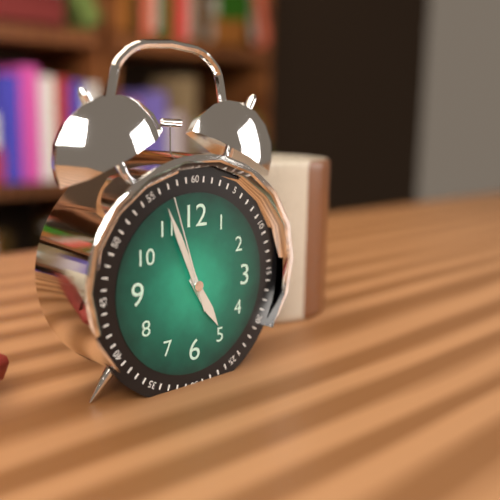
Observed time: 4:56:57
